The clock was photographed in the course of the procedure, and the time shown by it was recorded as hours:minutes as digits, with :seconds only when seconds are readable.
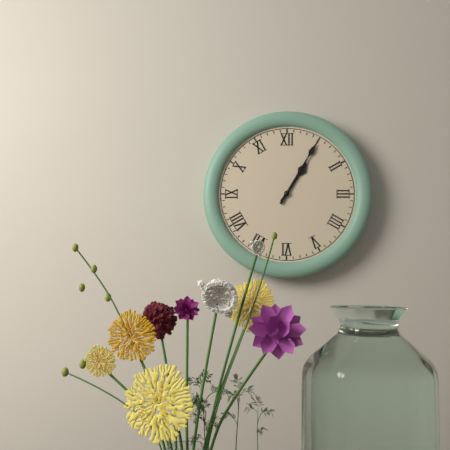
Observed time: 1:05
